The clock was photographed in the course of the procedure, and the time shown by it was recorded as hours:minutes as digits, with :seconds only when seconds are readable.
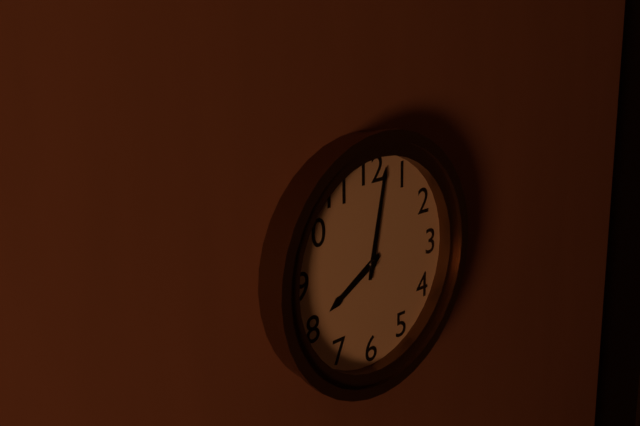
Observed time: 8:02
